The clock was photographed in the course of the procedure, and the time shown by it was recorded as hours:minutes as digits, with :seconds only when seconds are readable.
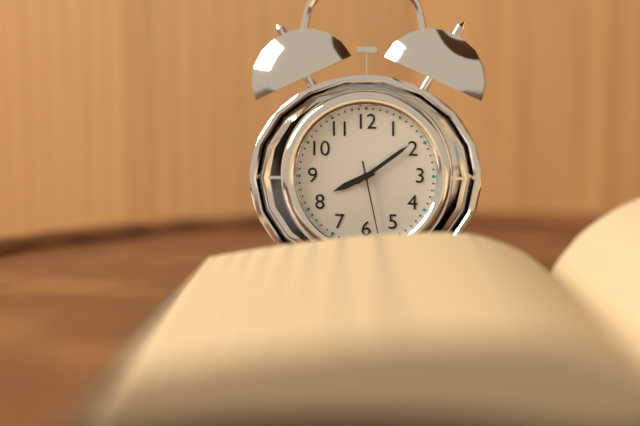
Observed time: 8:09:28
